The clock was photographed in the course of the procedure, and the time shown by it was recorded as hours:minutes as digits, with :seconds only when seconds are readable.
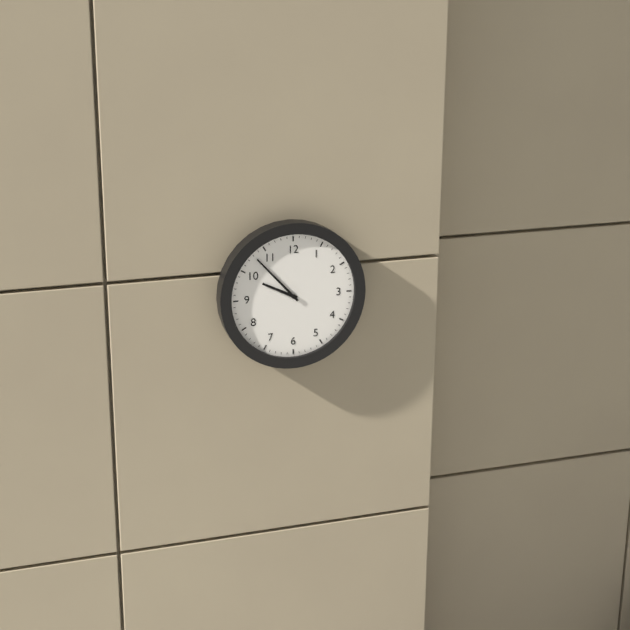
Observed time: 9:53
